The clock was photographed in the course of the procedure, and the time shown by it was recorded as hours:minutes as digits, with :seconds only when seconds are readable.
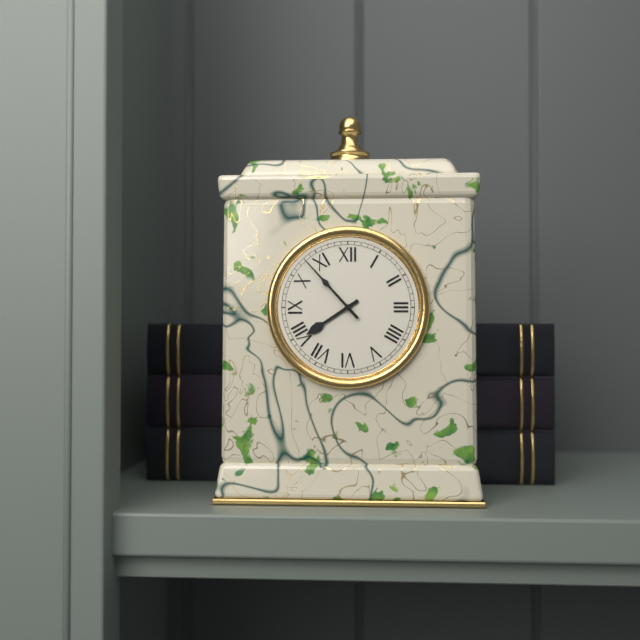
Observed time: 7:53
